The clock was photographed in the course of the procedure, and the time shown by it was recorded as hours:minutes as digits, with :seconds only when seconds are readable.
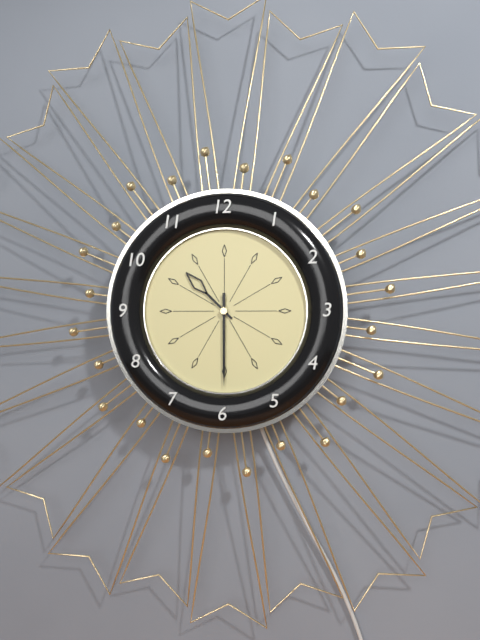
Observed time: 10:30
